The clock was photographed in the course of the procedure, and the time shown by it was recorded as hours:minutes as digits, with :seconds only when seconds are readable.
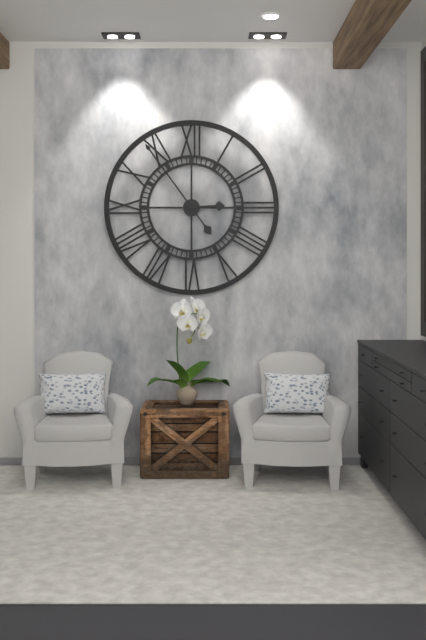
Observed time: 2:54
